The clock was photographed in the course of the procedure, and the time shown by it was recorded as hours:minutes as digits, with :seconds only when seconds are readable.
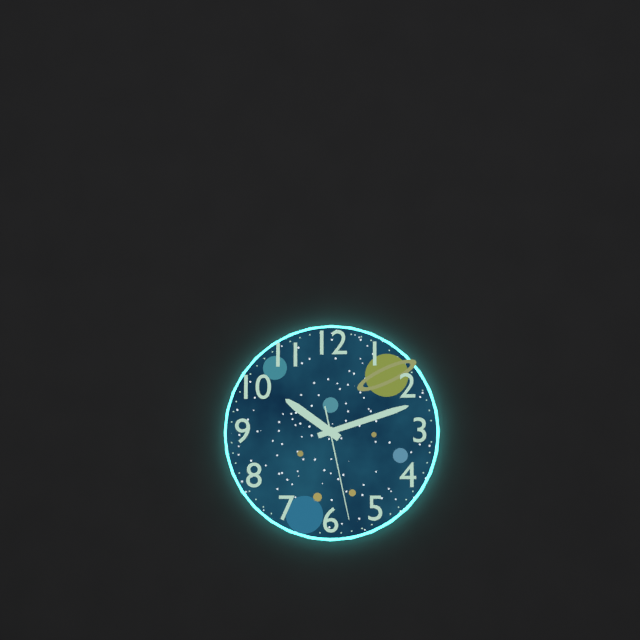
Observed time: 10:12:28
